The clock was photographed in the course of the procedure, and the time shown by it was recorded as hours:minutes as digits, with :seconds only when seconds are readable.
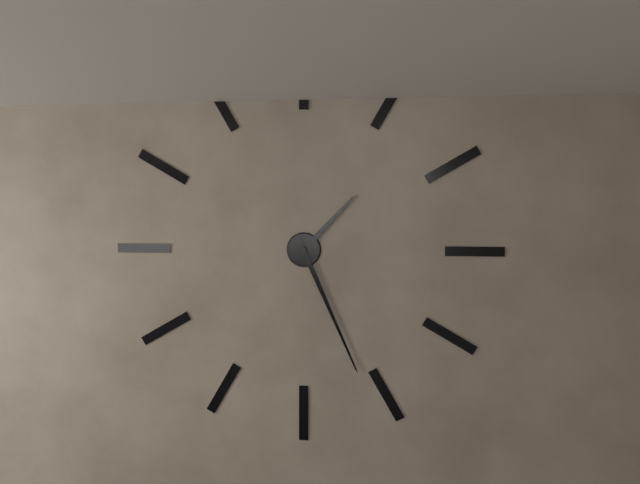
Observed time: 1:26
